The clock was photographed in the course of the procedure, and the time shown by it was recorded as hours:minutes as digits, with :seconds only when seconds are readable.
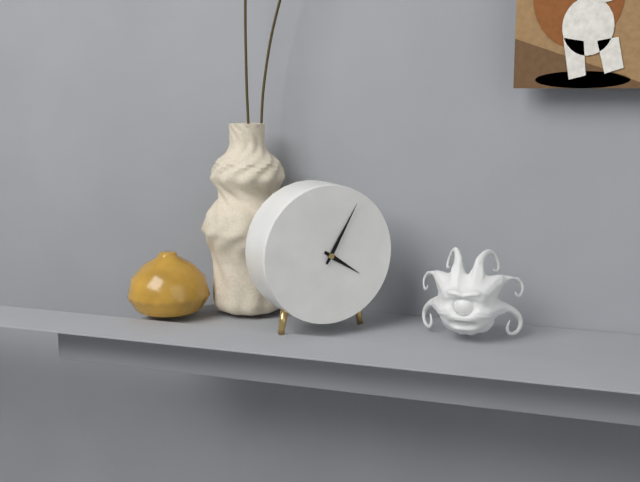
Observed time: 4:05
